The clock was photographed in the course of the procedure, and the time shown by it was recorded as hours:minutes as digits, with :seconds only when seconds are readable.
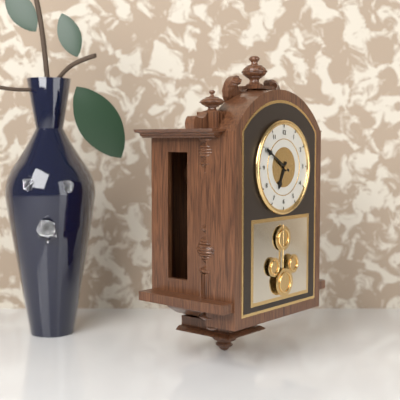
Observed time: 6:50
